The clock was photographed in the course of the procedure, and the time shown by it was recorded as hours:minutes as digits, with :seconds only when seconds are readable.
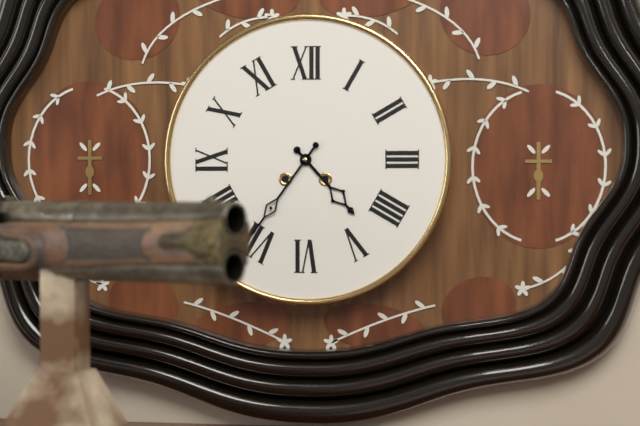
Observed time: 4:36
